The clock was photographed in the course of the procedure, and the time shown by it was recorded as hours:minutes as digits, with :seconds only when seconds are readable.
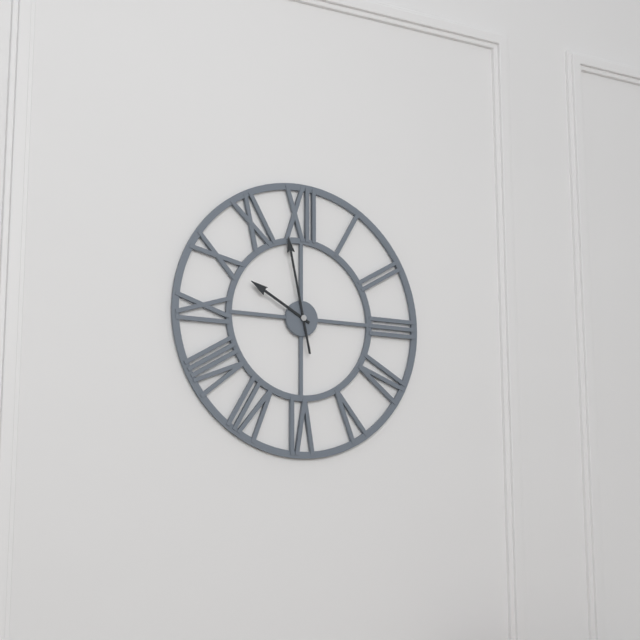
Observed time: 9:58
